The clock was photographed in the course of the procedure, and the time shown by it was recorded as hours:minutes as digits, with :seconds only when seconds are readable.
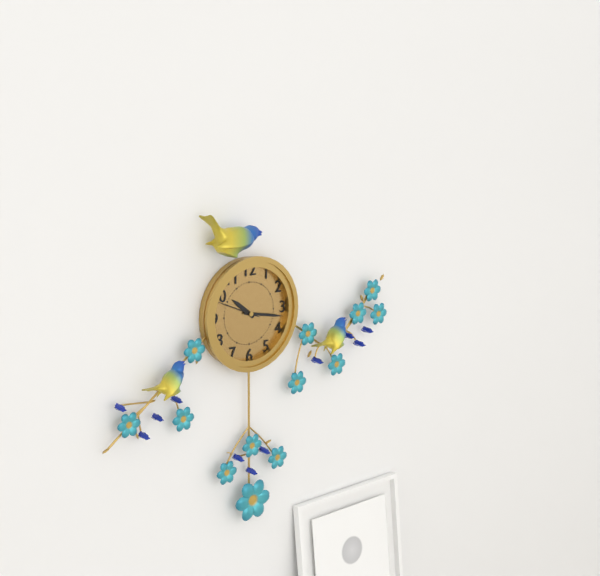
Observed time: 10:17
